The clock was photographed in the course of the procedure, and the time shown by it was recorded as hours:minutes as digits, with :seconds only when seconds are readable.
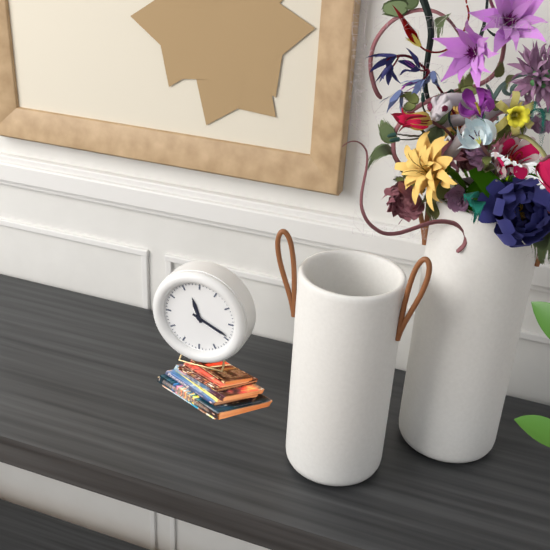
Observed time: 11:19
